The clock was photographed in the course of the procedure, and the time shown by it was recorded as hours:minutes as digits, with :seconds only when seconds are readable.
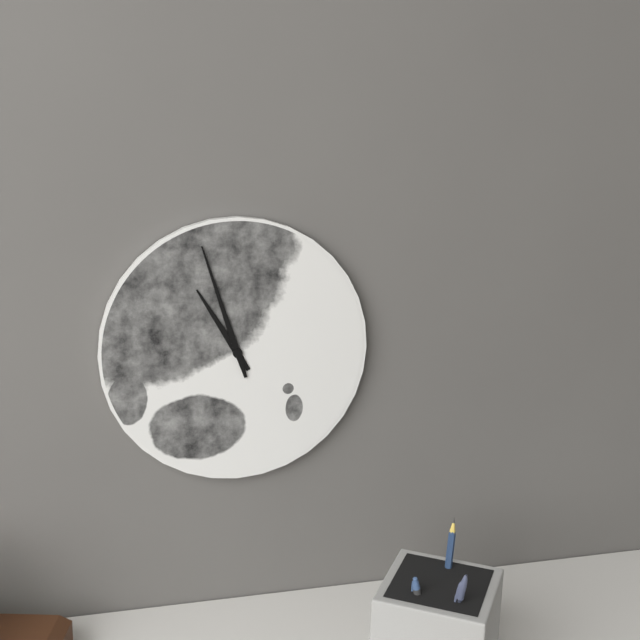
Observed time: 10:57
